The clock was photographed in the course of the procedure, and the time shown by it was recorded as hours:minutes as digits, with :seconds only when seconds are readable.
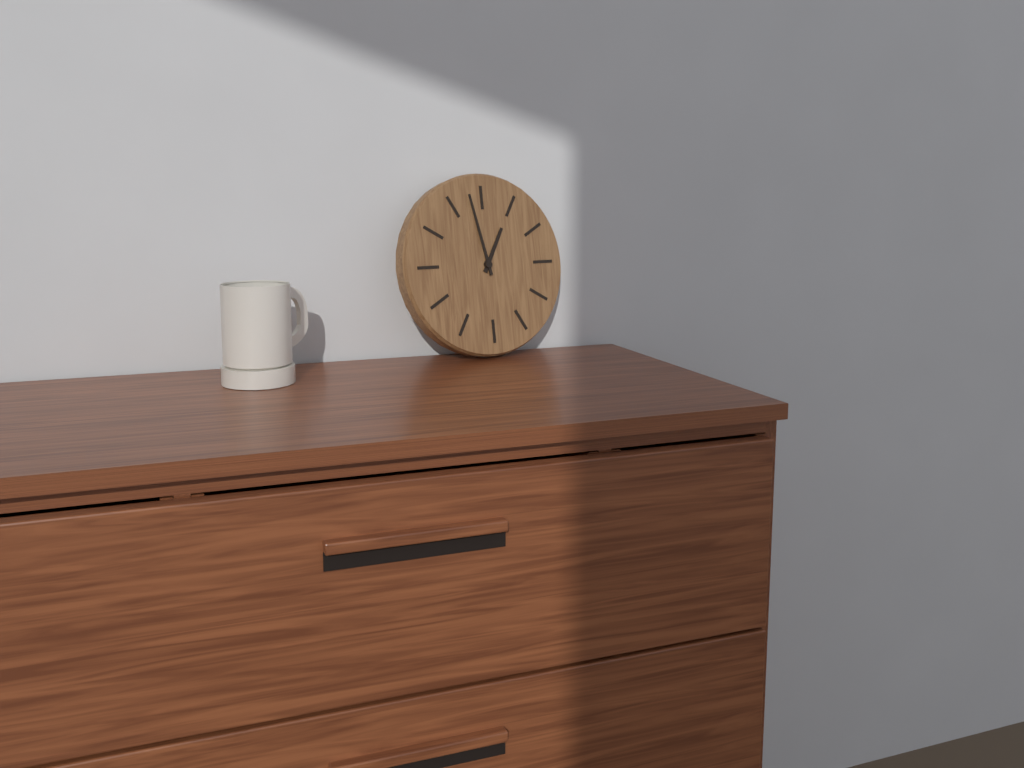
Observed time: 12:58
